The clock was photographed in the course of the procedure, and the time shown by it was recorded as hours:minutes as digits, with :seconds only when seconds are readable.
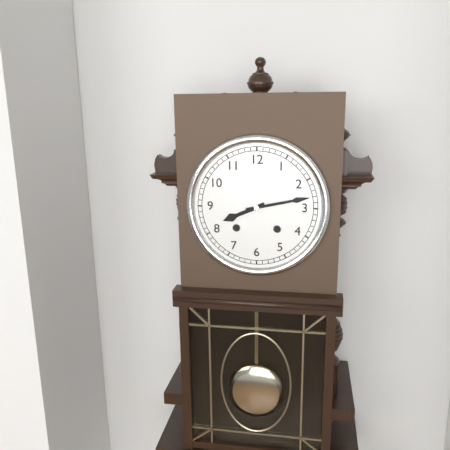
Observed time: 8:13
